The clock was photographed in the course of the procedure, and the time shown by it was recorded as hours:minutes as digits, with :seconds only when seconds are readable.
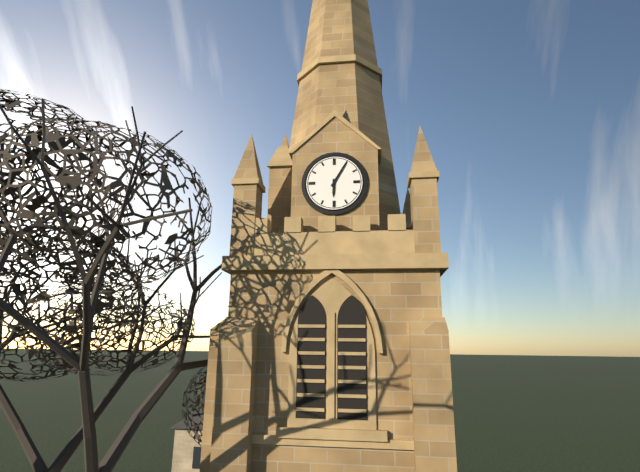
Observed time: 6:05
